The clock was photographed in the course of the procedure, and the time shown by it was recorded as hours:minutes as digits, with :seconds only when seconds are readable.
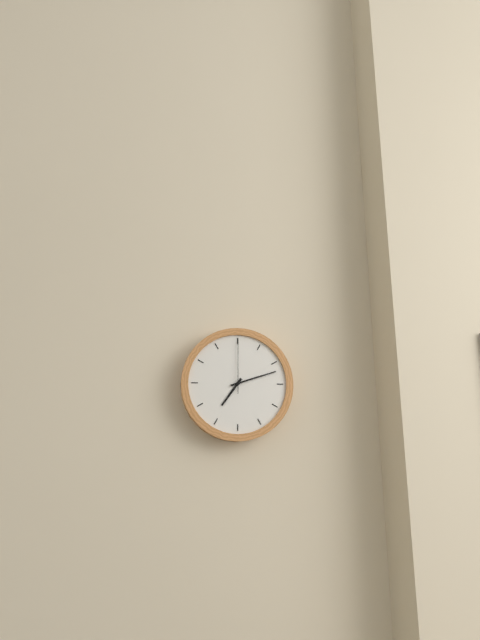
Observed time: 7:12:00
